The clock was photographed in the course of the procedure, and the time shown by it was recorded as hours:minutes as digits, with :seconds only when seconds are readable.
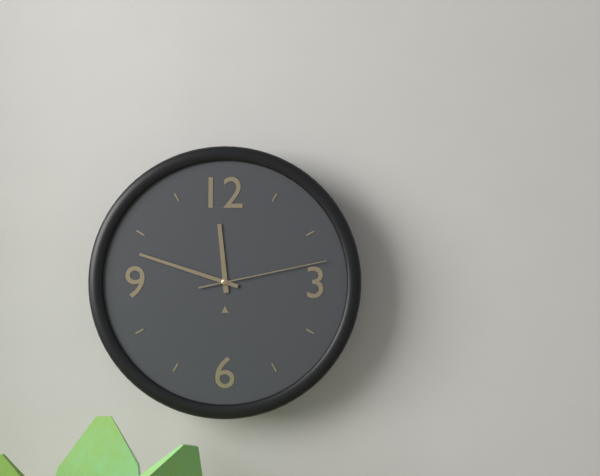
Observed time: 11:48:13
